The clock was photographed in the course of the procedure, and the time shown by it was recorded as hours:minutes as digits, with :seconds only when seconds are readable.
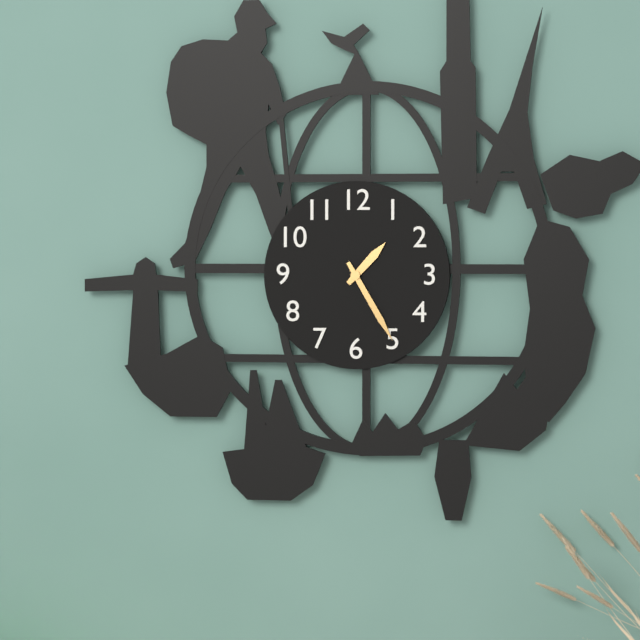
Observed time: 1:25
